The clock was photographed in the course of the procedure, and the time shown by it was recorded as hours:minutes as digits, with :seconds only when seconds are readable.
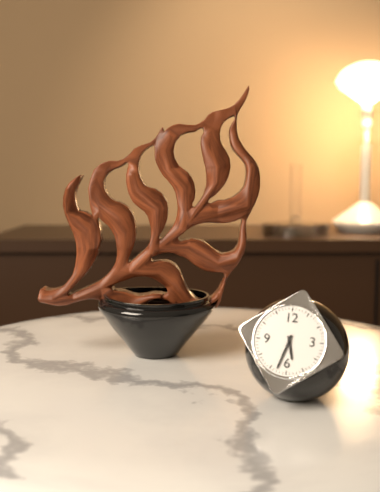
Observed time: 5:33
